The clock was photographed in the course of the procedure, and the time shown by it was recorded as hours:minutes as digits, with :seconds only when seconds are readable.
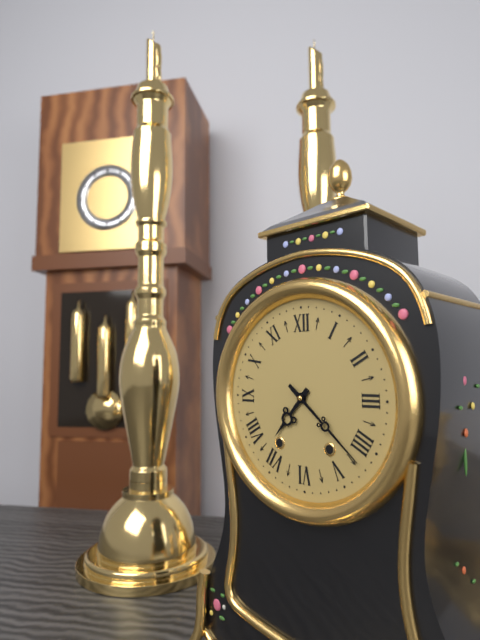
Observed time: 7:22
